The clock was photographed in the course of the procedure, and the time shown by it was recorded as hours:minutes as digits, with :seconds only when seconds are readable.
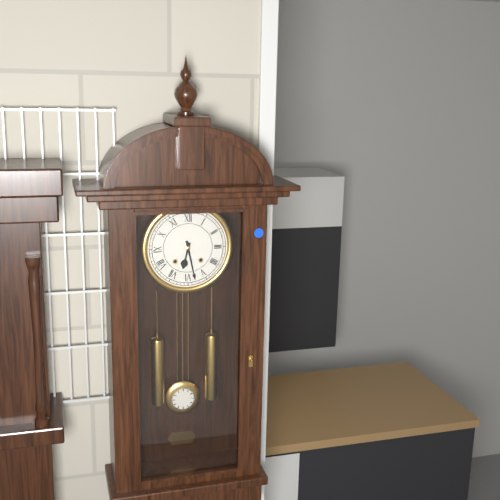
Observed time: 6:28
